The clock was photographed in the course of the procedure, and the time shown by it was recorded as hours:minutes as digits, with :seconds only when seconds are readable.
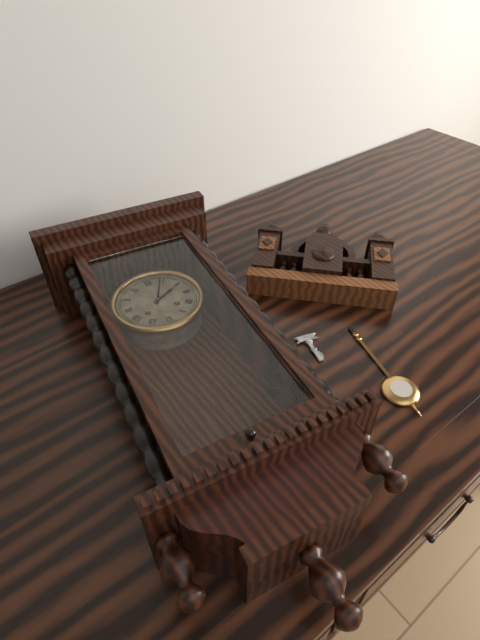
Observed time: 2:04
